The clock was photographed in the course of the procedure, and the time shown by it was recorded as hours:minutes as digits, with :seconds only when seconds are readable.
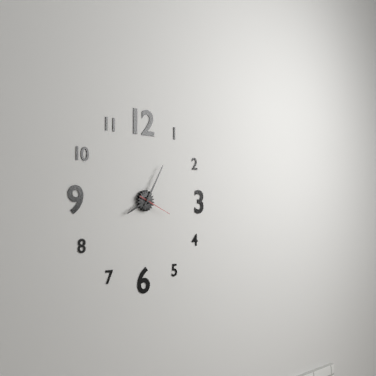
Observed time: 8:05
